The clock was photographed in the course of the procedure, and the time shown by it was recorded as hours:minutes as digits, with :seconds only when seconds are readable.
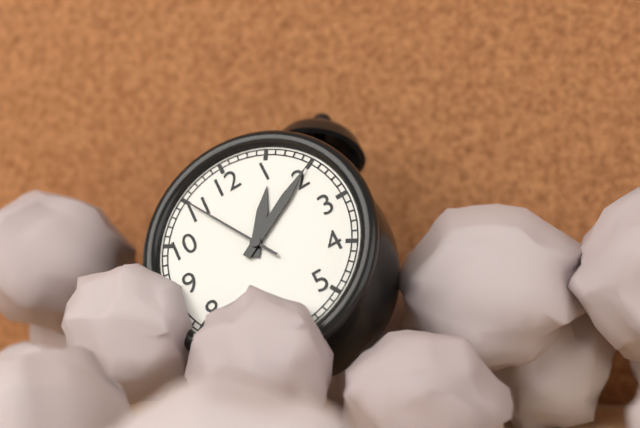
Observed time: 1:10:55
